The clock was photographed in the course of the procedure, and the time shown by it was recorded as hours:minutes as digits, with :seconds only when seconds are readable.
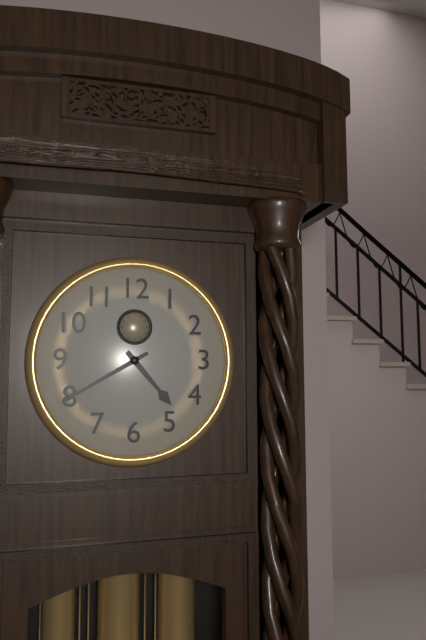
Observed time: 4:40
